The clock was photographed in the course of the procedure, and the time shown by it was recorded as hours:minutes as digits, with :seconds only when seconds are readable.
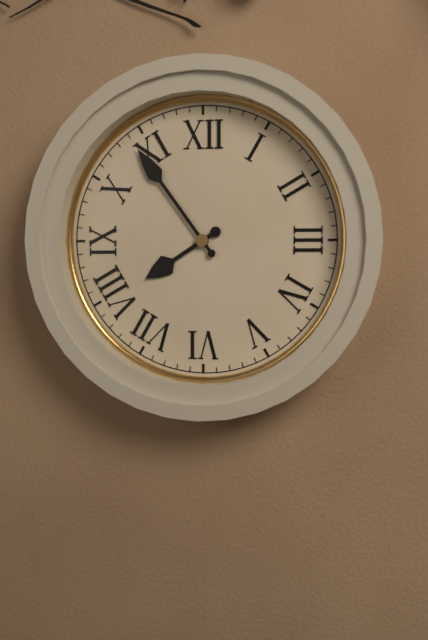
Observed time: 7:54
